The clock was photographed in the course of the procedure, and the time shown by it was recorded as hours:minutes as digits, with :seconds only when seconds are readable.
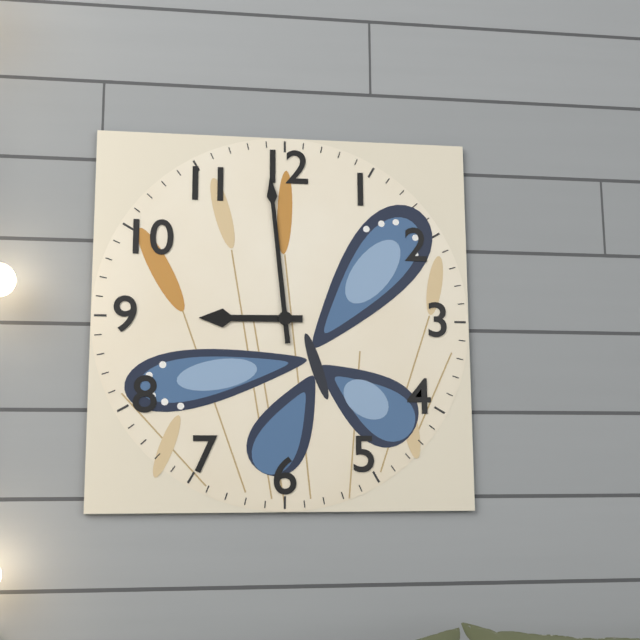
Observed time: 8:59
